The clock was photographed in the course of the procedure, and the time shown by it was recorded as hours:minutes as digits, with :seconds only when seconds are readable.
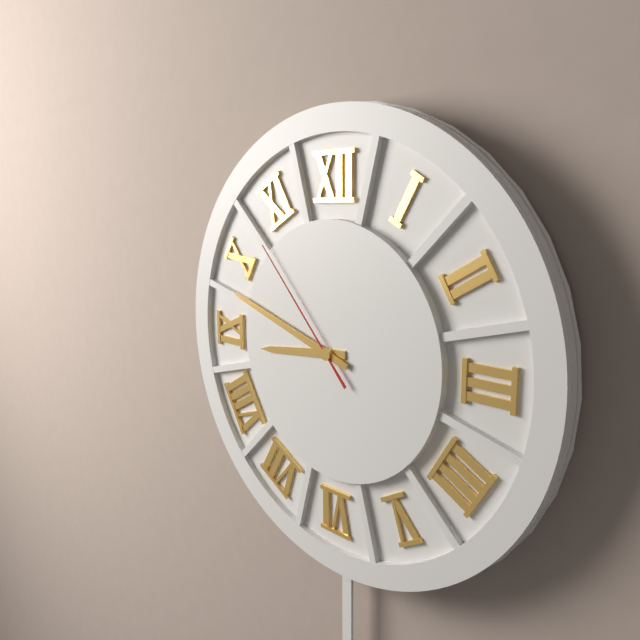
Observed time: 8:48:53
